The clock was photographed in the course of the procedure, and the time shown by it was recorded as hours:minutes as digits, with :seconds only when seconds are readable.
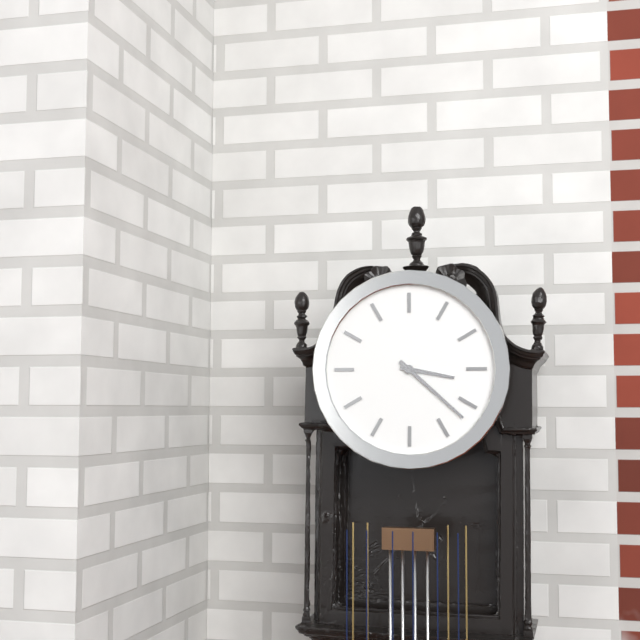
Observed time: 3:22
